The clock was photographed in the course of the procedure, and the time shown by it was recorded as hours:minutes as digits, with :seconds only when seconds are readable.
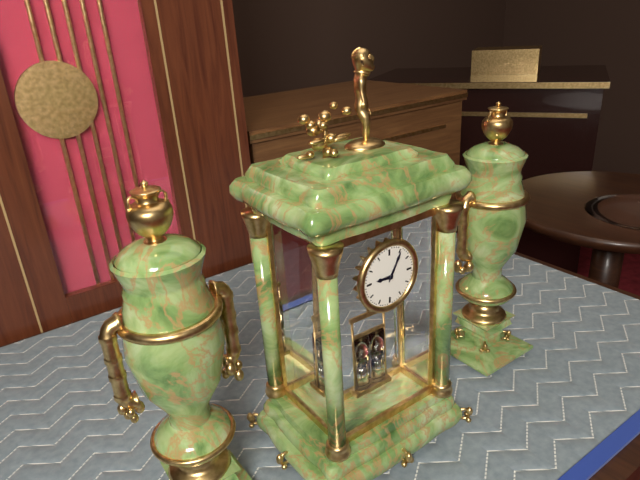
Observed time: 9:05
